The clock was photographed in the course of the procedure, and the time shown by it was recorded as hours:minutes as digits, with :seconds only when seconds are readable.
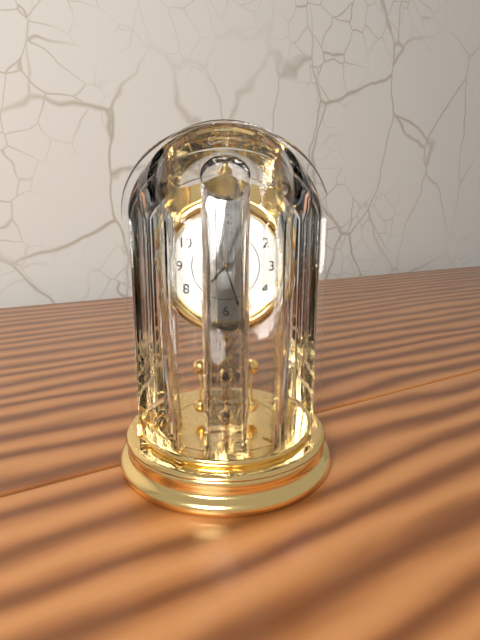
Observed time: 7:27
